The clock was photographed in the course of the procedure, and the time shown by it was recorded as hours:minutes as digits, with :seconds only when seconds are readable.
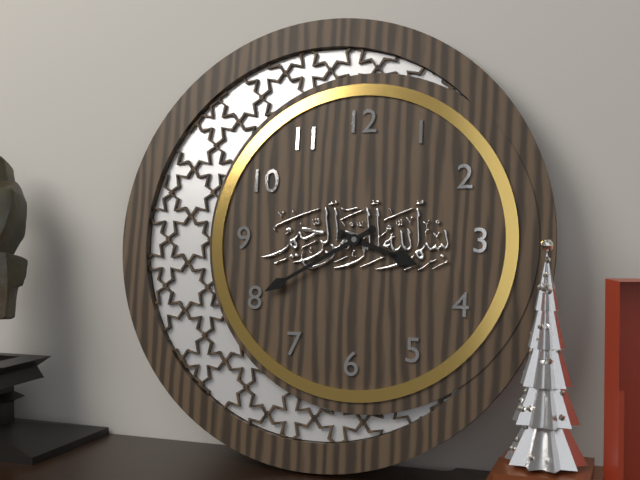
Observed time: 3:40
